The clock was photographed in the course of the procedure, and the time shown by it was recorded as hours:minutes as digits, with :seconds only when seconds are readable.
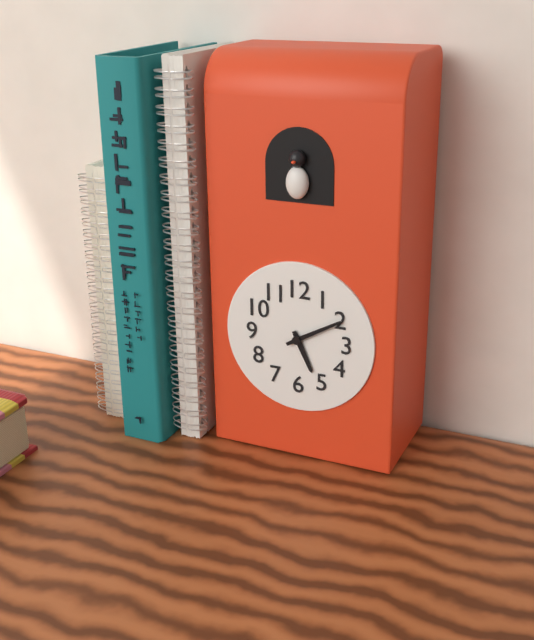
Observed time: 5:10
